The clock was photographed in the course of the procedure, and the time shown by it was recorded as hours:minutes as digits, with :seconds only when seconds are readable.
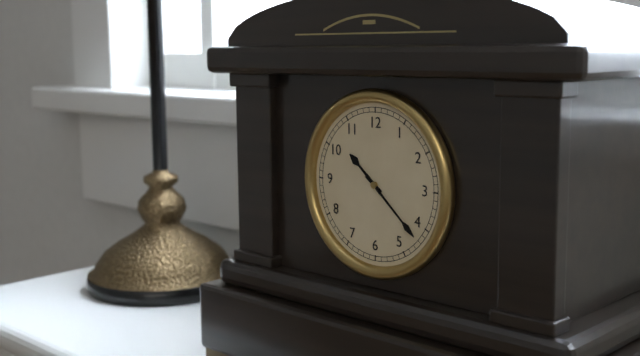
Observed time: 10:22
